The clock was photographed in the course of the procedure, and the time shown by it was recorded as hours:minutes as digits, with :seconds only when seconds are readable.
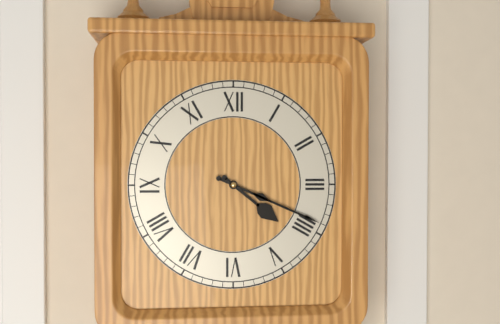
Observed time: 4:19
